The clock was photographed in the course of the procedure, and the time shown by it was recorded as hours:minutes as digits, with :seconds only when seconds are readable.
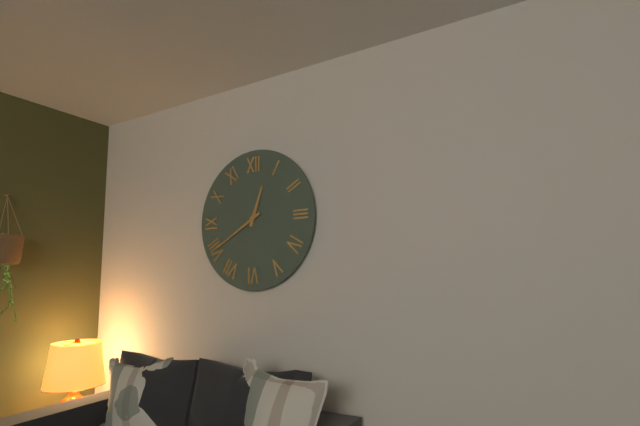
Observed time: 12:40
